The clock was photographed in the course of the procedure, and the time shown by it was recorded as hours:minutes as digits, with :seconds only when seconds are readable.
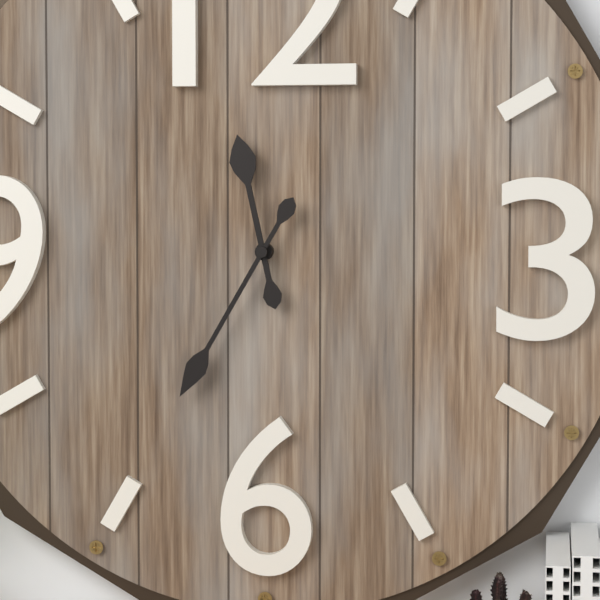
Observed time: 11:35
